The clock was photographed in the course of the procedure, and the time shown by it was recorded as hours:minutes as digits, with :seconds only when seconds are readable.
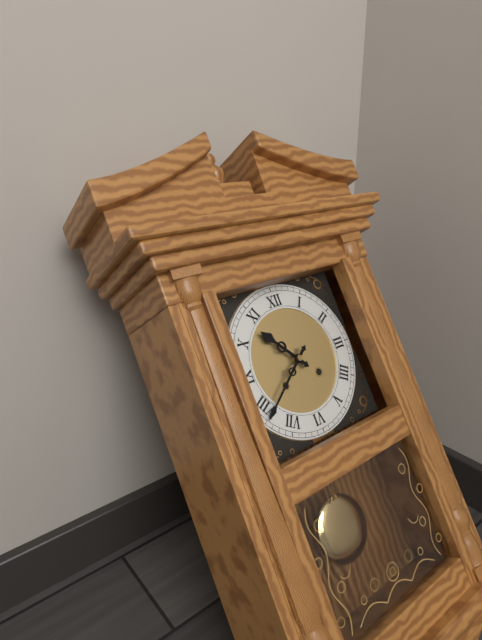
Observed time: 10:39
